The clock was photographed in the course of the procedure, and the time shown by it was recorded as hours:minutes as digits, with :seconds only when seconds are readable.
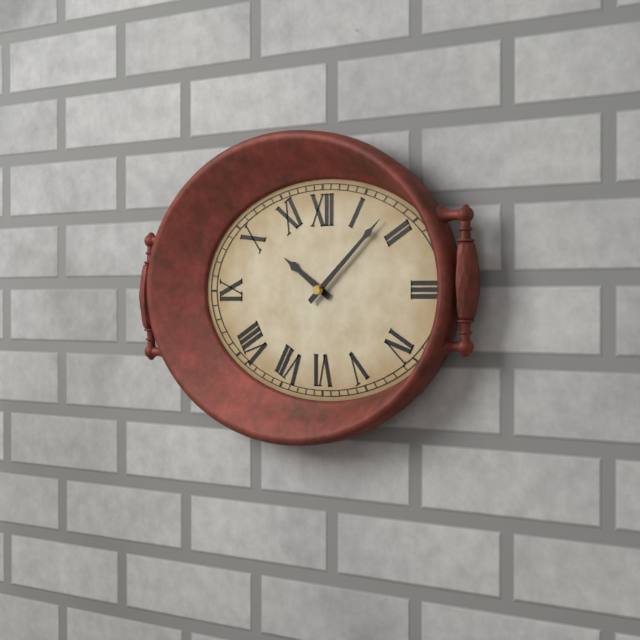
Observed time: 10:08
